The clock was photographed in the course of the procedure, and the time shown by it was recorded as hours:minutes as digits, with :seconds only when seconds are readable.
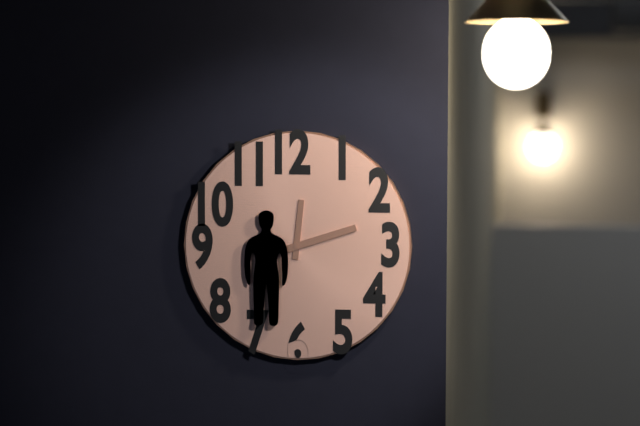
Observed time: 12:12
